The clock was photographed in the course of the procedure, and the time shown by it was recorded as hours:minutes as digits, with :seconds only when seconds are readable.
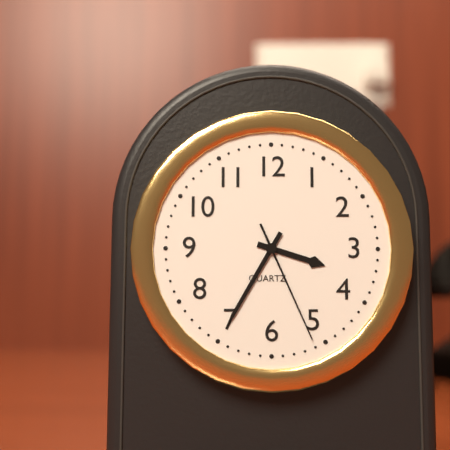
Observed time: 3:35:26
